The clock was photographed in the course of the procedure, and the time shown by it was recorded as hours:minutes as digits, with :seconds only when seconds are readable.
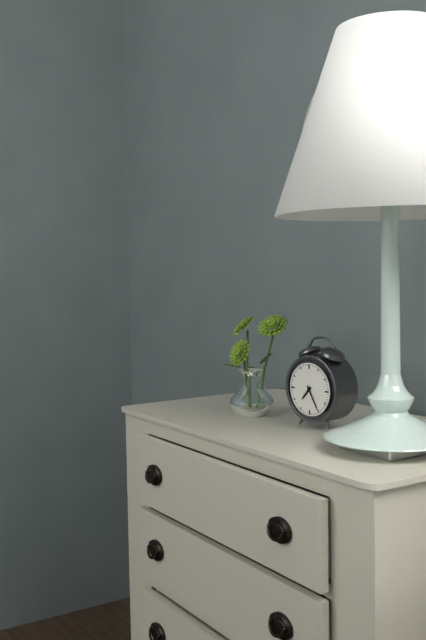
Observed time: 7:25
